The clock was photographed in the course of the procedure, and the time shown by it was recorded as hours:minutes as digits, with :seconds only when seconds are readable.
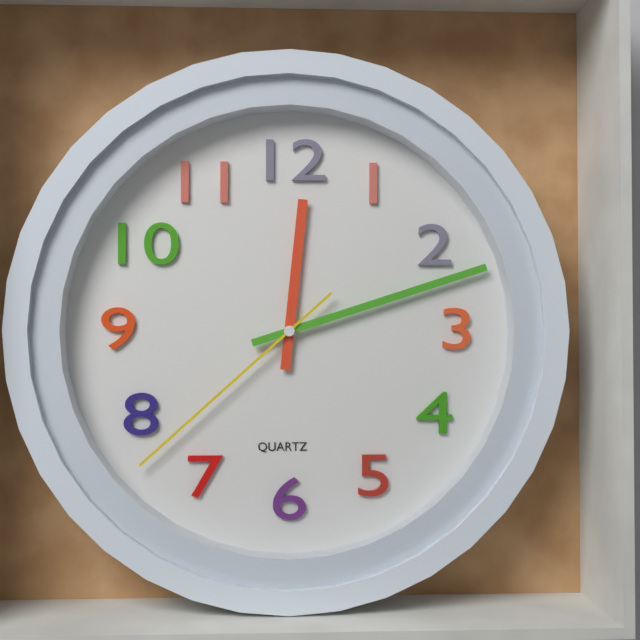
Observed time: 12:12:38
